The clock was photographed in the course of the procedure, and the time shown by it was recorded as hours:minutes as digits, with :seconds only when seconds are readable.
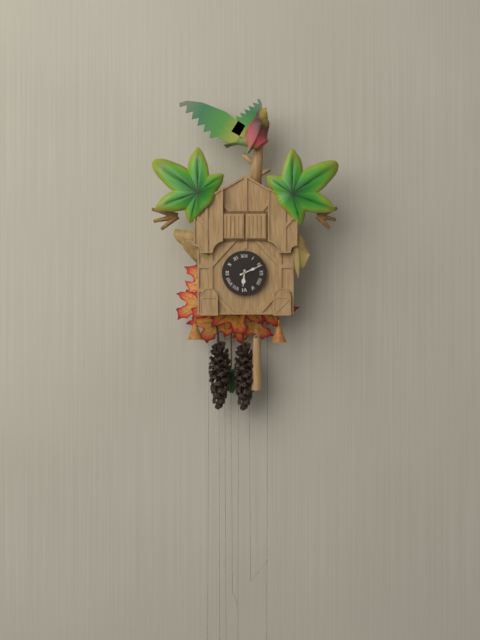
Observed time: 6:11
